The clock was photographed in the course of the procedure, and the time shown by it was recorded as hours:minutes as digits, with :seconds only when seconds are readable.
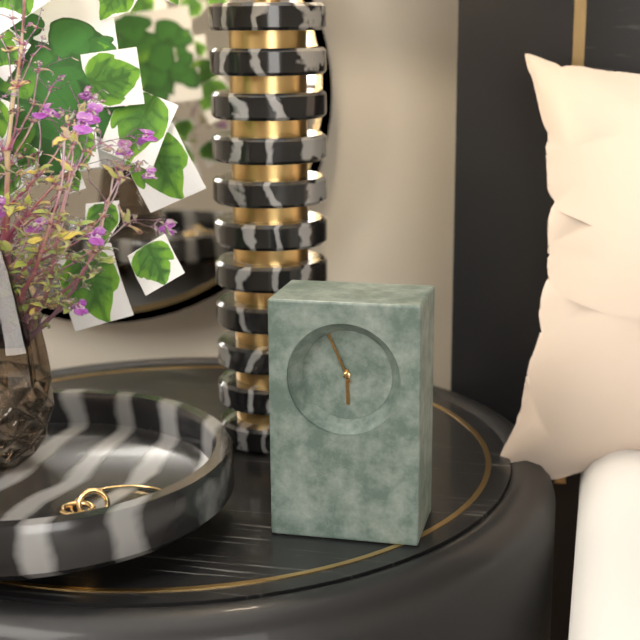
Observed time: 5:56
